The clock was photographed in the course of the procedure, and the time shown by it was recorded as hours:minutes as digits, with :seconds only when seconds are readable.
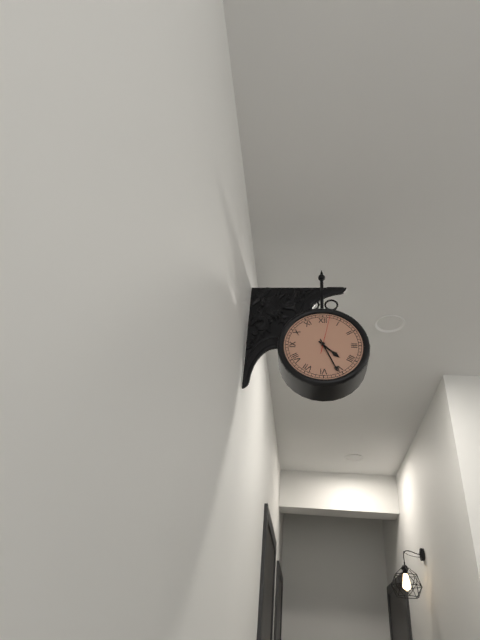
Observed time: 4:26
